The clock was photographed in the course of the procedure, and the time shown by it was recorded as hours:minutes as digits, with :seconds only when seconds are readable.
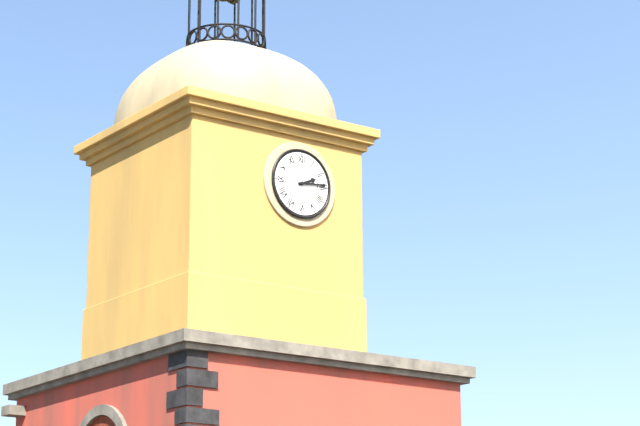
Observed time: 2:14
